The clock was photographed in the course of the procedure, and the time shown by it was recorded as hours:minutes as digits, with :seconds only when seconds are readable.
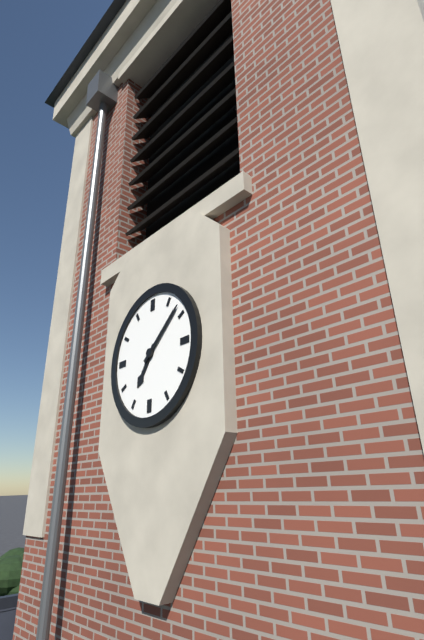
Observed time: 7:08
